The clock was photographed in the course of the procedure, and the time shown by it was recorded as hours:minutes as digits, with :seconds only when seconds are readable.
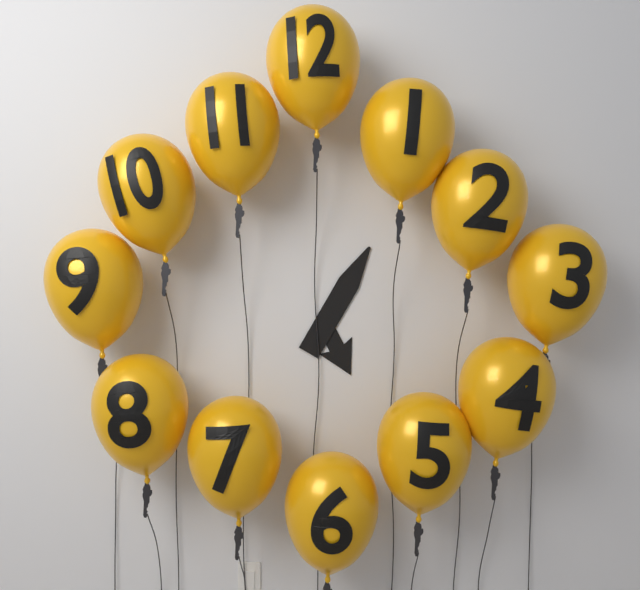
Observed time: 5:05
